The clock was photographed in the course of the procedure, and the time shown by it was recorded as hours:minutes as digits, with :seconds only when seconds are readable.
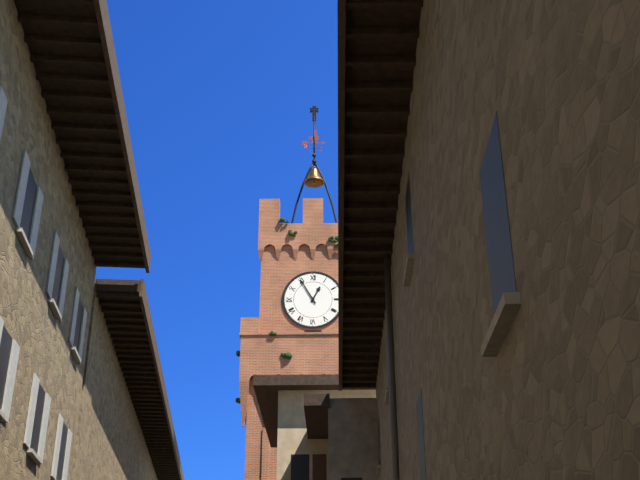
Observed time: 12:55
